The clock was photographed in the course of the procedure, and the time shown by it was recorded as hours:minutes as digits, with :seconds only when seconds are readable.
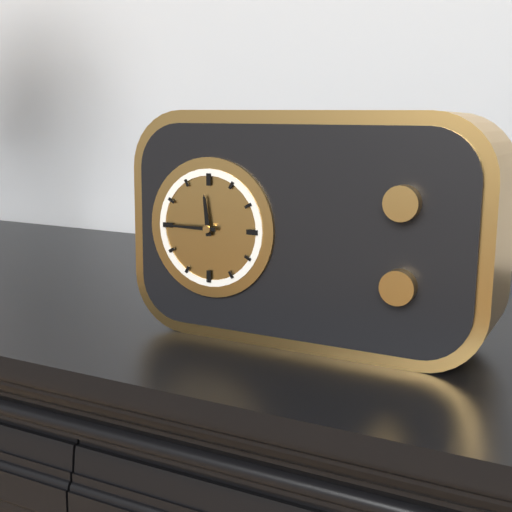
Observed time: 11:45
